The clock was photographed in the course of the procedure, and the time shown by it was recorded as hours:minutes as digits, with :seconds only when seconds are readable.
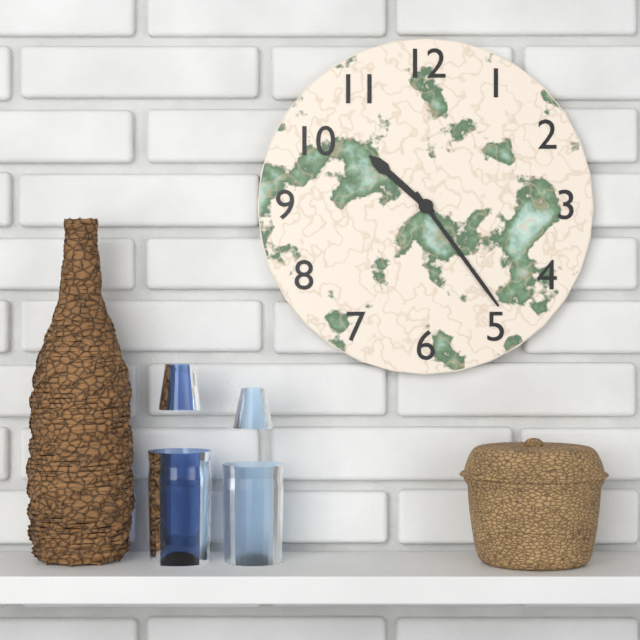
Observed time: 10:24
